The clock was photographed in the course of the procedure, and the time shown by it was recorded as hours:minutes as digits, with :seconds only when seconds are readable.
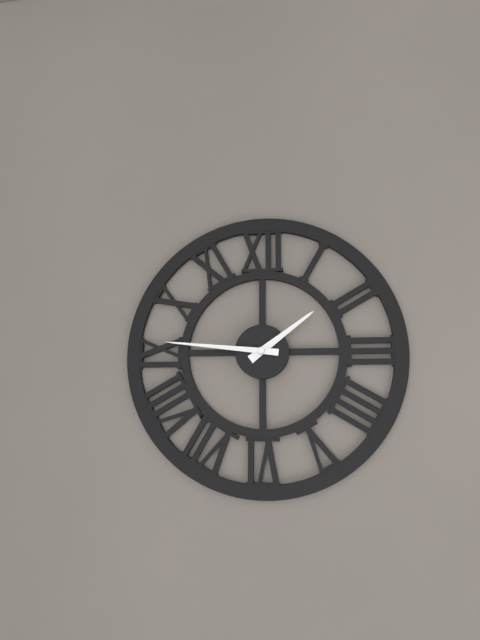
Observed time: 1:46
